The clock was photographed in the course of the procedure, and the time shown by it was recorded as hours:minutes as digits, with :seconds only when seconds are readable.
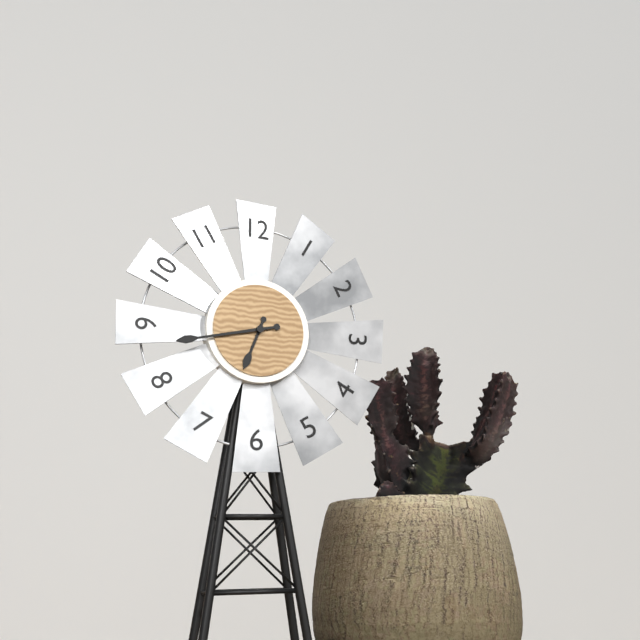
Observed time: 6:43
